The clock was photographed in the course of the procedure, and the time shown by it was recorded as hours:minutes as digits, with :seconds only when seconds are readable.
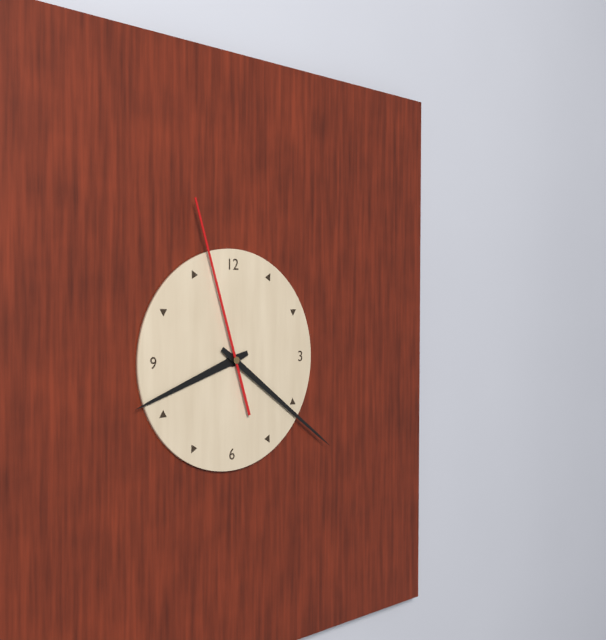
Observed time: 8:21:57
